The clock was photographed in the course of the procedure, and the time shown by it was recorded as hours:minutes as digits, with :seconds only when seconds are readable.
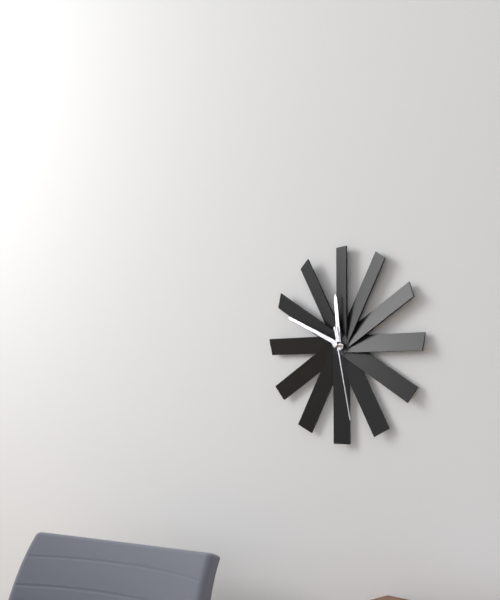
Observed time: 11:49:28
